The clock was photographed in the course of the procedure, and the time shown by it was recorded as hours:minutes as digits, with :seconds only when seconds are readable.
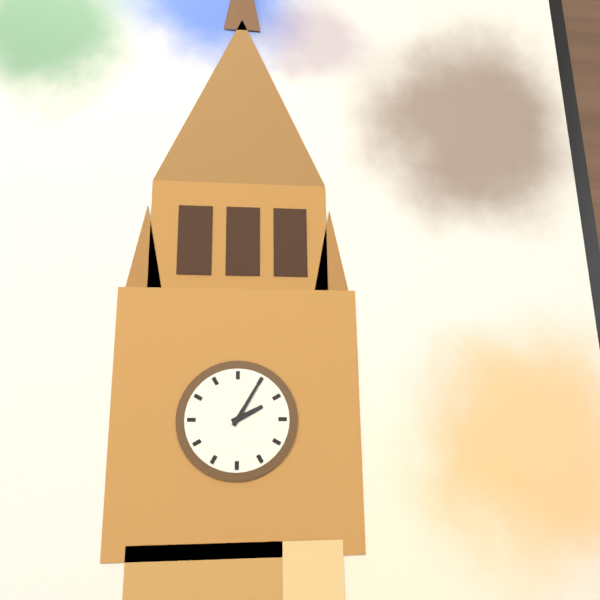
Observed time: 2:05
